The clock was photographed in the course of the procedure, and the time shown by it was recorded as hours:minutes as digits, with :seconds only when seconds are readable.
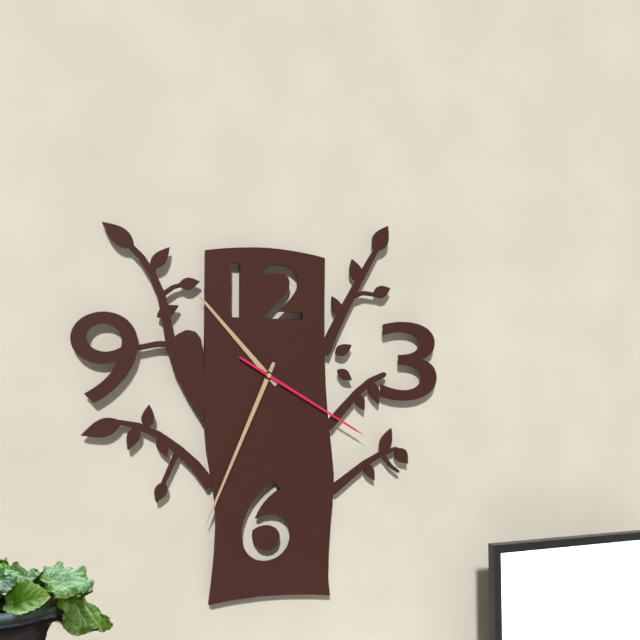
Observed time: 10:34:20
